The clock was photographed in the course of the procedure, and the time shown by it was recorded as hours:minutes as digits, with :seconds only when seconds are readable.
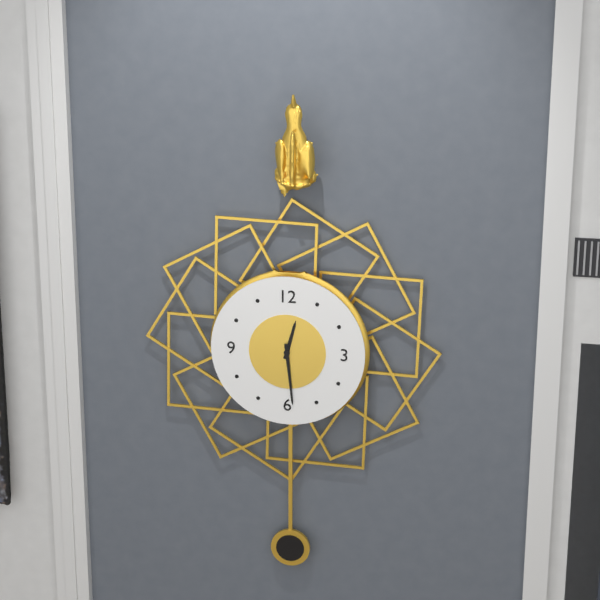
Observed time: 12:29
